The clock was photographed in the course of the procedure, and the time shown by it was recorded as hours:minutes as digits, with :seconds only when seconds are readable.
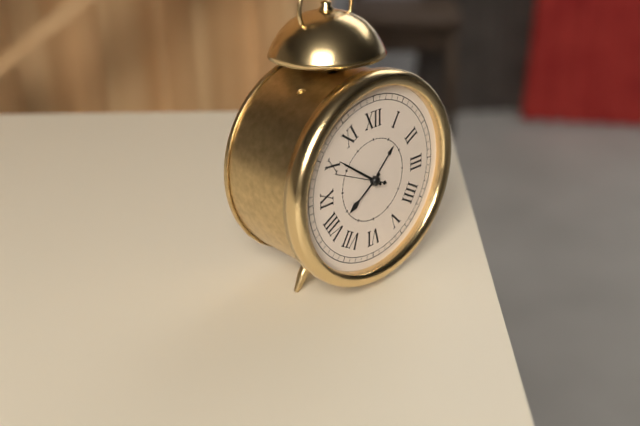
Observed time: 7:51:49
